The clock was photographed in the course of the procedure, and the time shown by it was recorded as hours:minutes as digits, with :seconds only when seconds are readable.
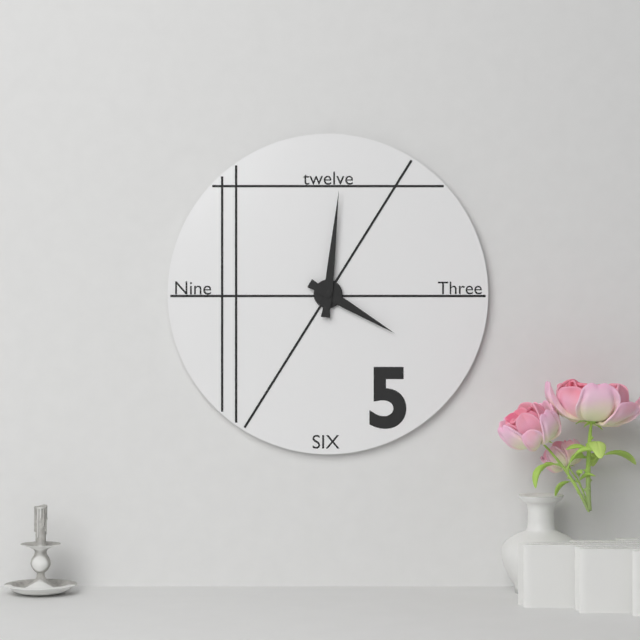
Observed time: 4:01
